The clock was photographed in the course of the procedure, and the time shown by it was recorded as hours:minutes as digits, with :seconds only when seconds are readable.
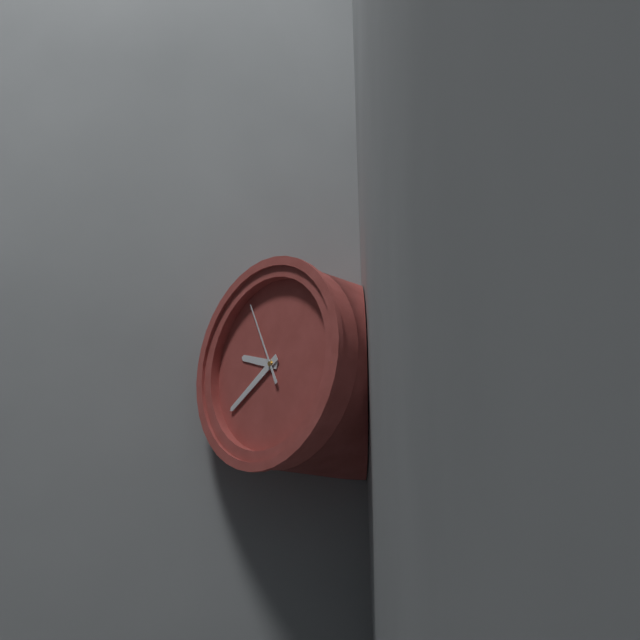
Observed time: 9:40:56
